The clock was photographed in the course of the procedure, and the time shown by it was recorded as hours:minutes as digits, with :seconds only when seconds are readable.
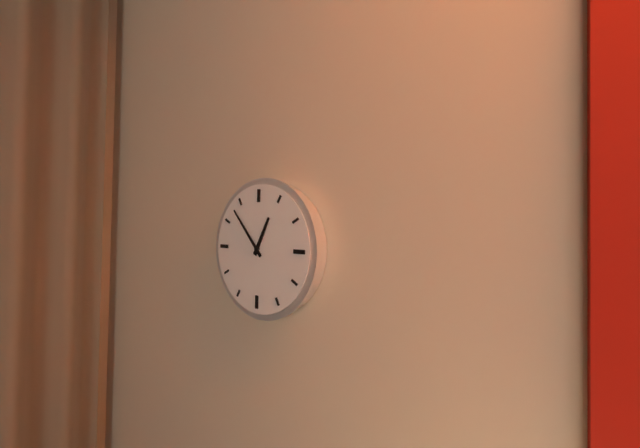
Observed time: 12:53
